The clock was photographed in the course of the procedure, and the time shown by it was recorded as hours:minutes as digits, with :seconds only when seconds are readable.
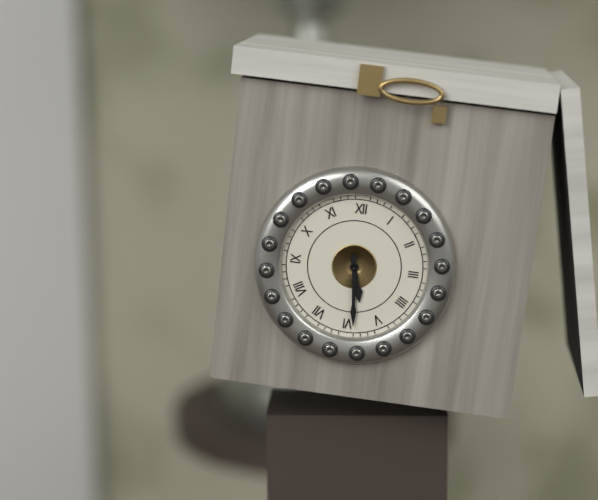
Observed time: 5:29
